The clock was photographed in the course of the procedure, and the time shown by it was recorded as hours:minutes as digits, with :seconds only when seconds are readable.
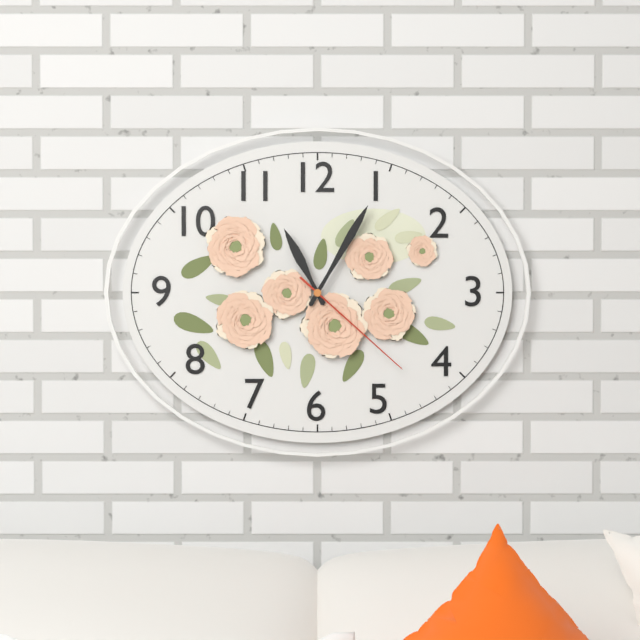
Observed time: 11:05:22
